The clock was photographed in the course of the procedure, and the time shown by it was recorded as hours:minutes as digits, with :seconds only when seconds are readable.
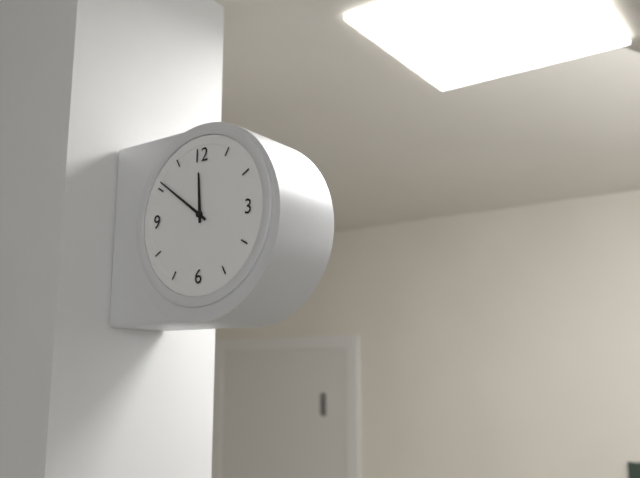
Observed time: 11:51
